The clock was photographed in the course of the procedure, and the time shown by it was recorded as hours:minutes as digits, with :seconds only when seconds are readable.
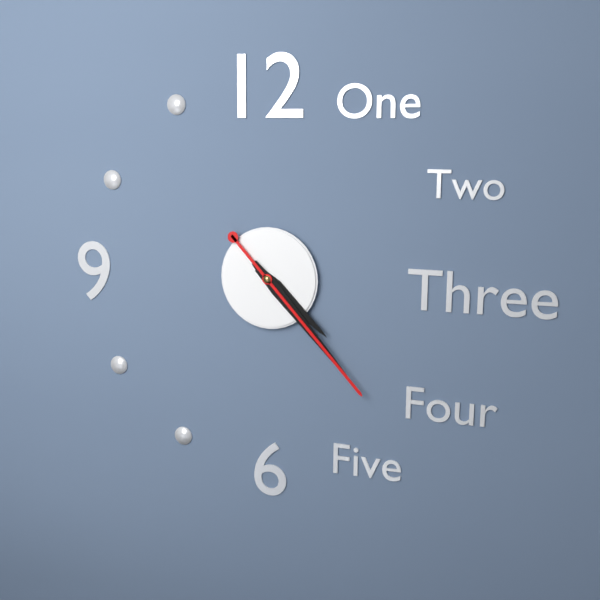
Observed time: 4:23:23
